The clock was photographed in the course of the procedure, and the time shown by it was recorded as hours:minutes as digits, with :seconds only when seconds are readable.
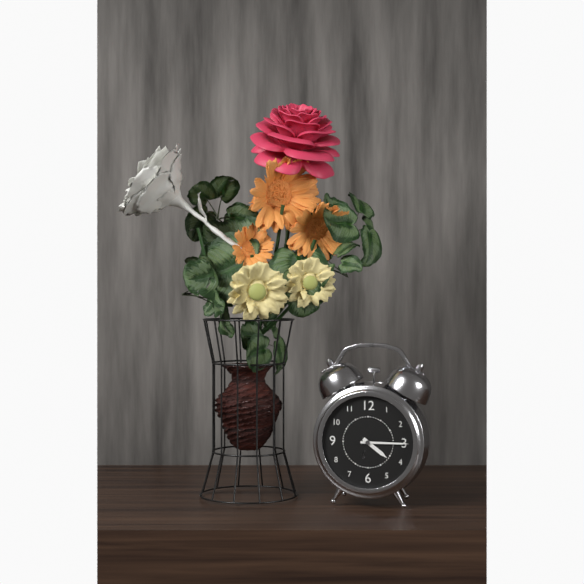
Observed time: 4:15
